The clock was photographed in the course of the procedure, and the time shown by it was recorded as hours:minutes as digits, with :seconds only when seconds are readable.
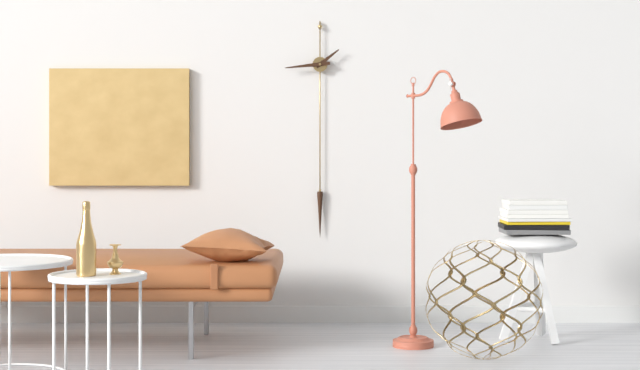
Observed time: 1:44
